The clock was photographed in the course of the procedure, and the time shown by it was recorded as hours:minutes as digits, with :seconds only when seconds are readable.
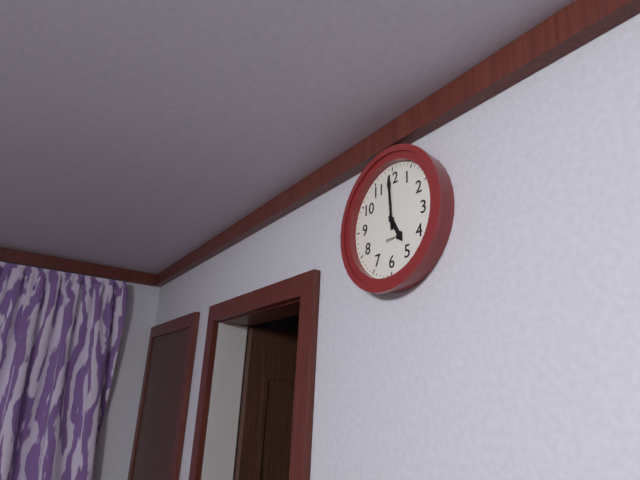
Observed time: 4:59
